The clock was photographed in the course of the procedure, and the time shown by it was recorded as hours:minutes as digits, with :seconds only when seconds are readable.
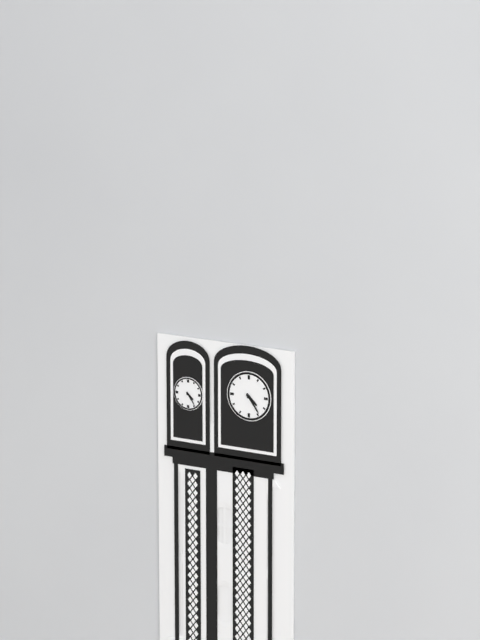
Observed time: 4:24
